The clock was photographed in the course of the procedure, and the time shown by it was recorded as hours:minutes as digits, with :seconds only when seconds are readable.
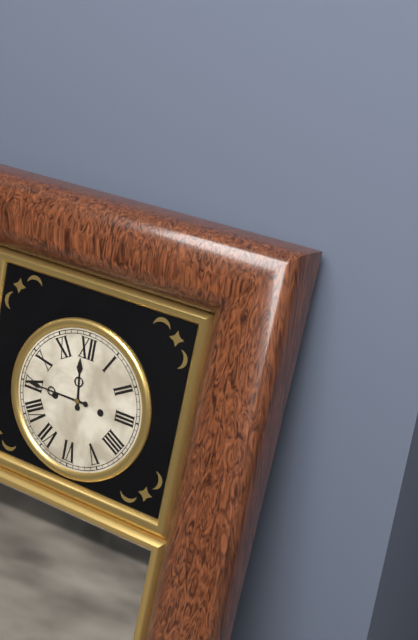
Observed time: 11:45
